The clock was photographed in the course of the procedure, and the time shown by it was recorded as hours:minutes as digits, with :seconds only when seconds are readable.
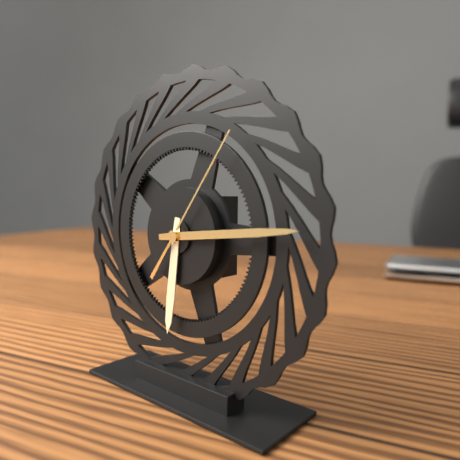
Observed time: 6:14:06
